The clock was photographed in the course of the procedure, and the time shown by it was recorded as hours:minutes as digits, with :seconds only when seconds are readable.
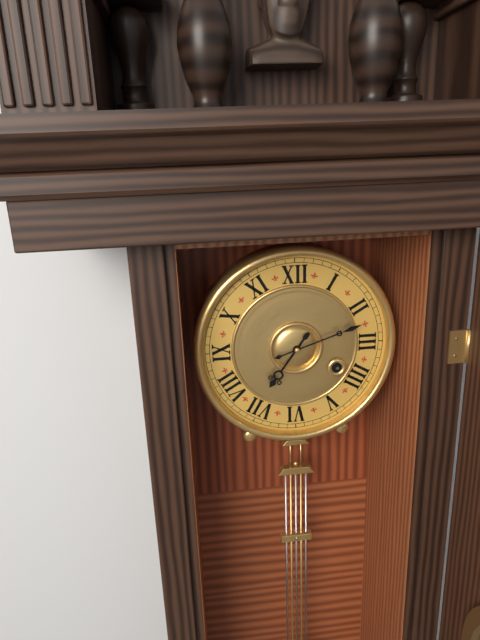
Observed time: 7:12
